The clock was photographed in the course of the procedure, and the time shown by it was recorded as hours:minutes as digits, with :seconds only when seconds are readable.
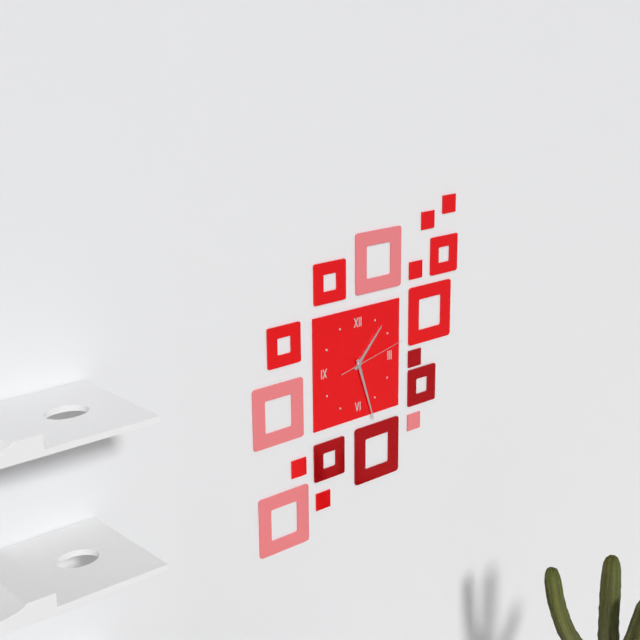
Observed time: 1:27:13
